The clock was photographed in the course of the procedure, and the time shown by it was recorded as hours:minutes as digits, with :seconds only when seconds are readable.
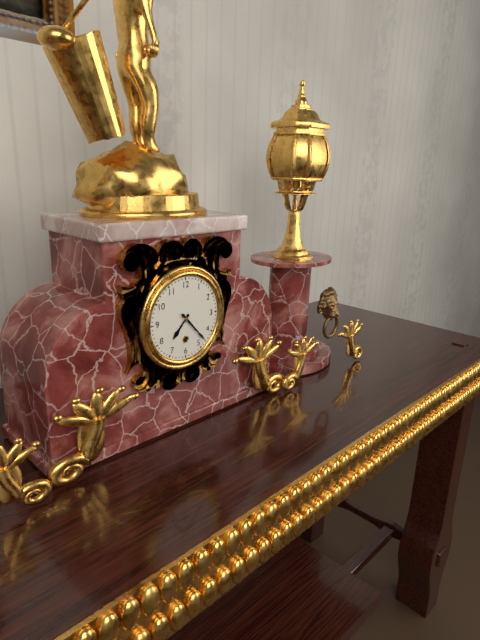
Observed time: 7:23
